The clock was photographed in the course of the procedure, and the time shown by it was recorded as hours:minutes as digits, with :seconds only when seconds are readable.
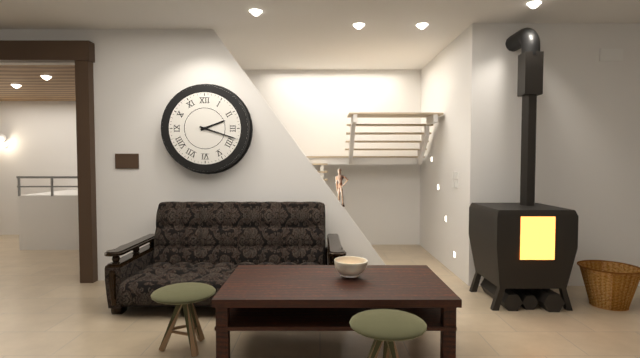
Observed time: 2:18
